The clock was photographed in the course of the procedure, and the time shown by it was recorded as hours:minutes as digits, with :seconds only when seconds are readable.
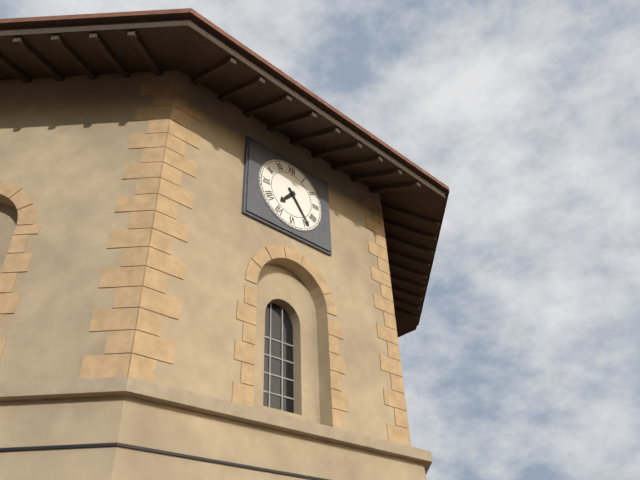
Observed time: 7:24
